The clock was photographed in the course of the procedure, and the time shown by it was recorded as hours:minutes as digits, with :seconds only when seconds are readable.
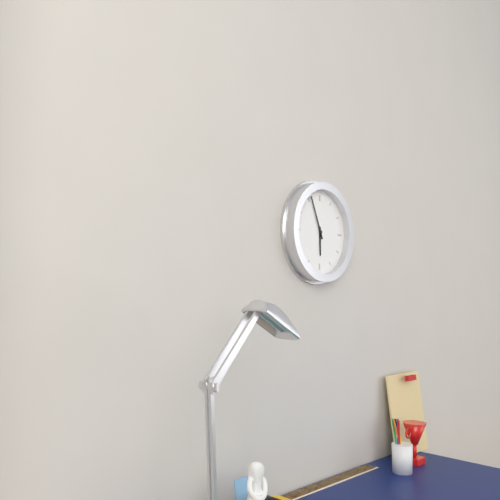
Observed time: 5:56
